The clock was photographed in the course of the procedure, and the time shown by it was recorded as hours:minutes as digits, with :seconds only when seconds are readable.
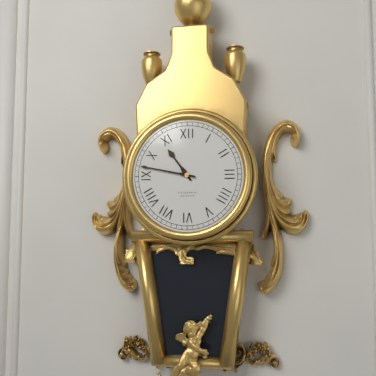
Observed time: 10:47
